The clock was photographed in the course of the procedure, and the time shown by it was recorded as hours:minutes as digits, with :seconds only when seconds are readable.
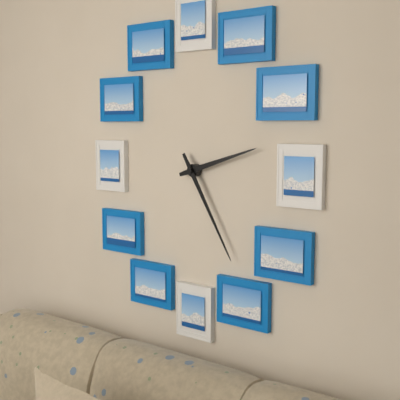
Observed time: 2:25
